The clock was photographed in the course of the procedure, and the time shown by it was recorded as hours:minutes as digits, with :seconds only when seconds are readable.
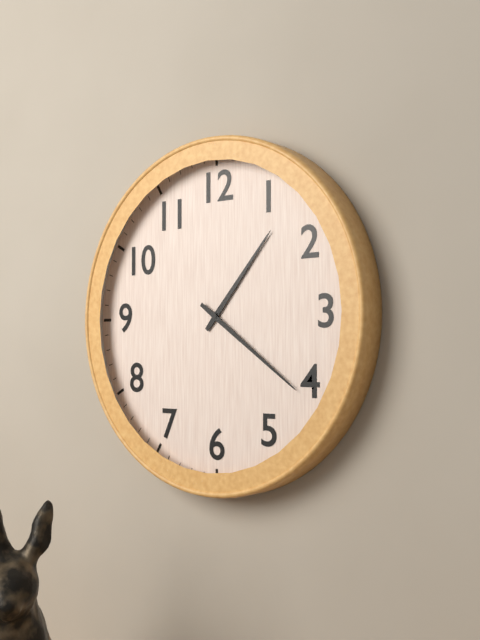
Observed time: 1:21
